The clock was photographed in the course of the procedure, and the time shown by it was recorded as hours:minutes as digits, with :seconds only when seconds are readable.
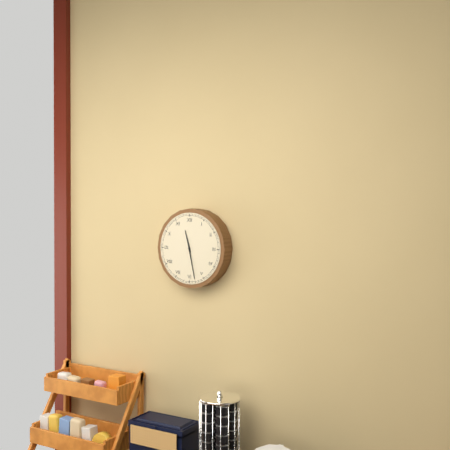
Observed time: 11:28
